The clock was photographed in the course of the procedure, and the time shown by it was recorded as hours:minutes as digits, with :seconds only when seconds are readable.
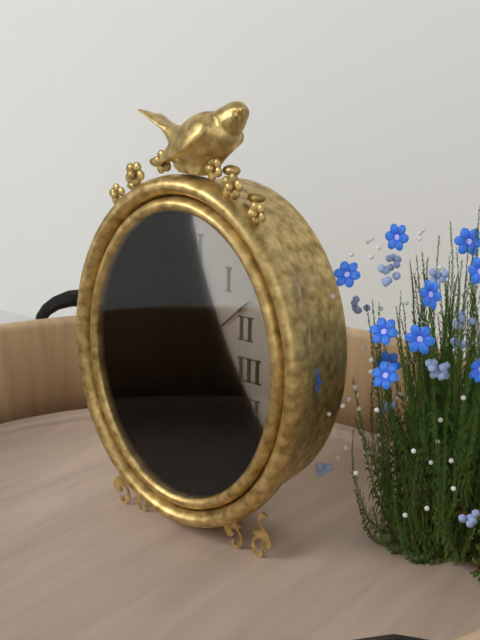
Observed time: 9:08:38
